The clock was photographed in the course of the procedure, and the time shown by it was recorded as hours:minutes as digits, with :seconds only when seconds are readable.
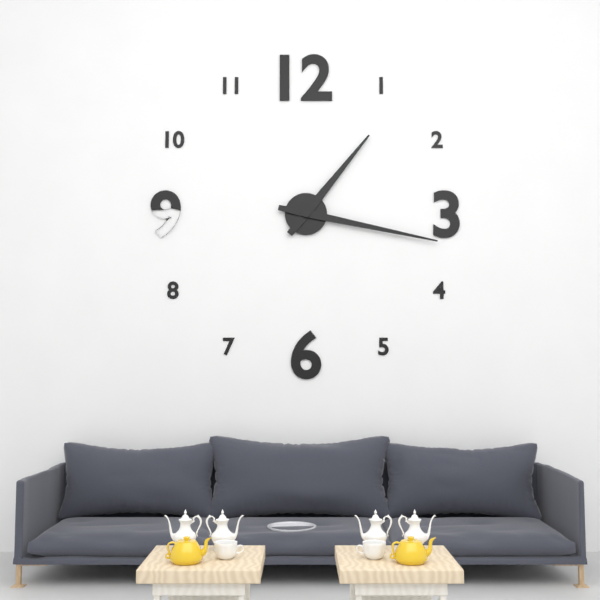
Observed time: 1:17
